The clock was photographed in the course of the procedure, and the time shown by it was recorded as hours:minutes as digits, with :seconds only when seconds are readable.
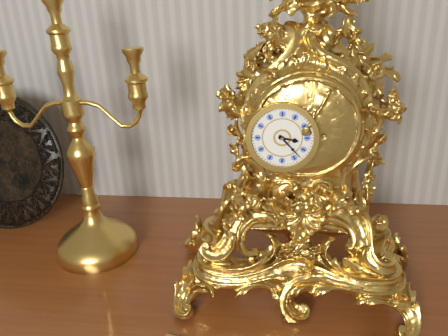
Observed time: 3:23
